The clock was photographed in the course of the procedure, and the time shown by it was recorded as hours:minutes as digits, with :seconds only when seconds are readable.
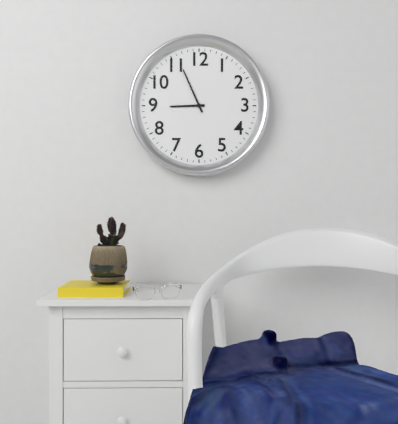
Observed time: 8:56
